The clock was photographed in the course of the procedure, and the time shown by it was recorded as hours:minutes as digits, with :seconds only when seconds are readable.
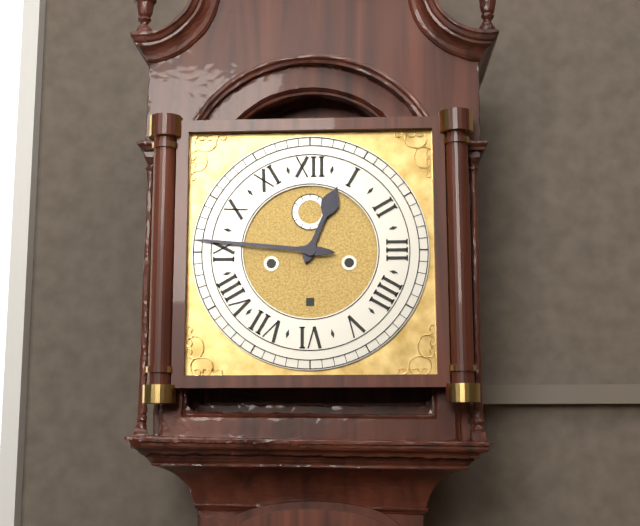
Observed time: 12:46
